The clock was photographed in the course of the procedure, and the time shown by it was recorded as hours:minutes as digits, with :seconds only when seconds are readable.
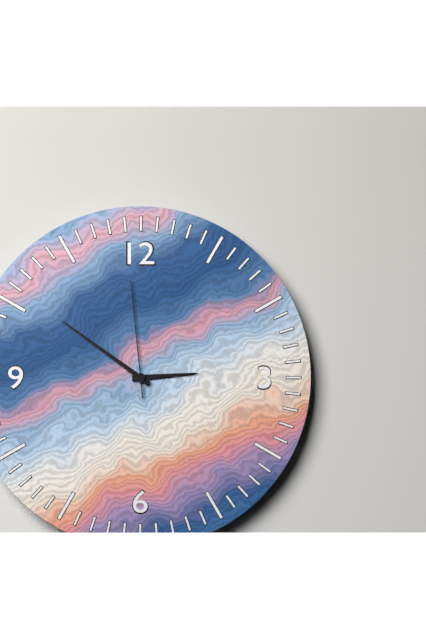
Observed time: 2:51:59
